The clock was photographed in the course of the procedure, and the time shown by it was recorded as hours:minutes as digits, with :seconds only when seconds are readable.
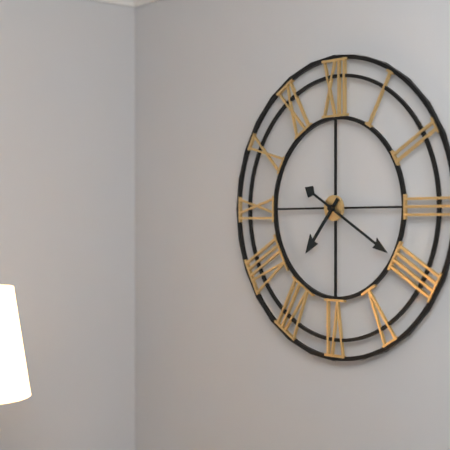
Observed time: 7:20
